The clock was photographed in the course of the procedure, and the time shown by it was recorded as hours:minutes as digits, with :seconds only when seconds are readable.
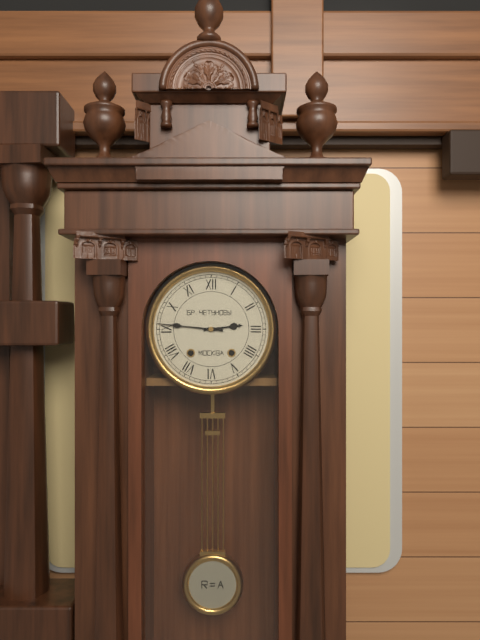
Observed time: 2:46
